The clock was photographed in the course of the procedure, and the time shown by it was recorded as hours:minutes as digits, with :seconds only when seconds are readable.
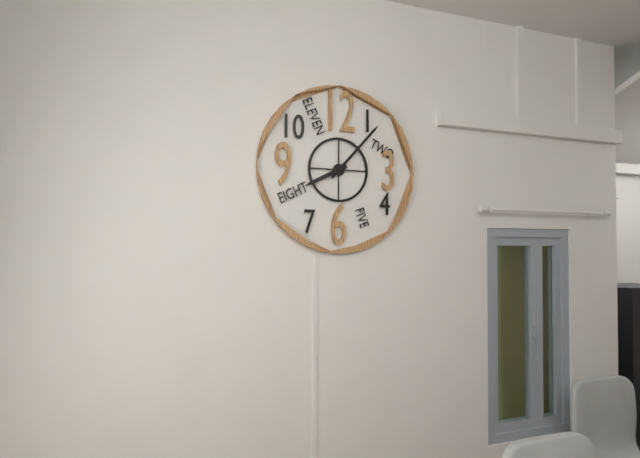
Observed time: 8:07
